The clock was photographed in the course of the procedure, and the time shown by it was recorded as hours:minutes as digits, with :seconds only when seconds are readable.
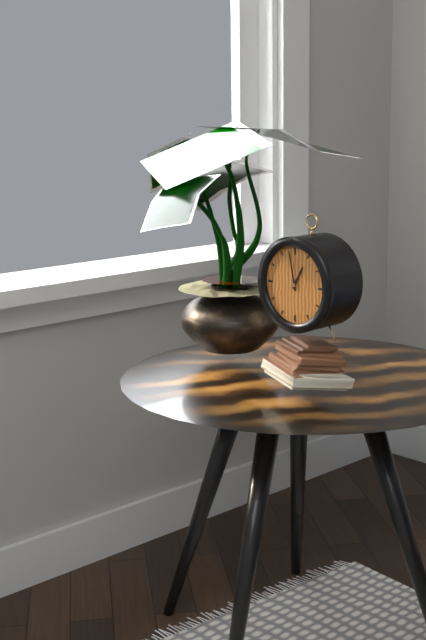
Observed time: 12:58
